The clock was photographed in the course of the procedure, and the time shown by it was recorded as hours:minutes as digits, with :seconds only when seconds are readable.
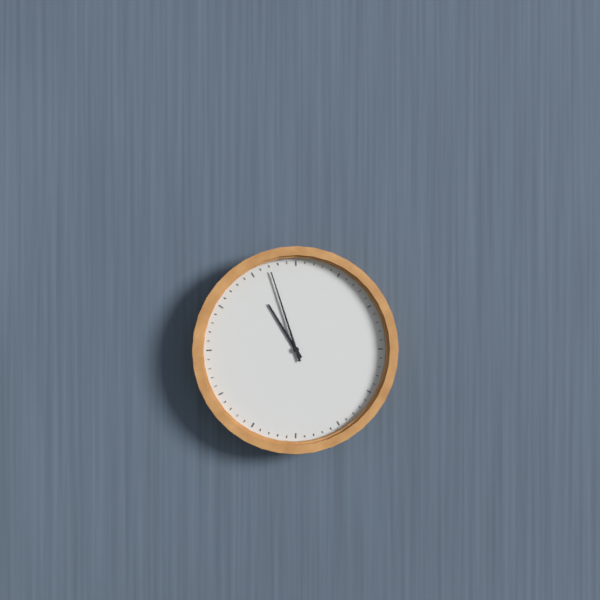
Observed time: 10:57
